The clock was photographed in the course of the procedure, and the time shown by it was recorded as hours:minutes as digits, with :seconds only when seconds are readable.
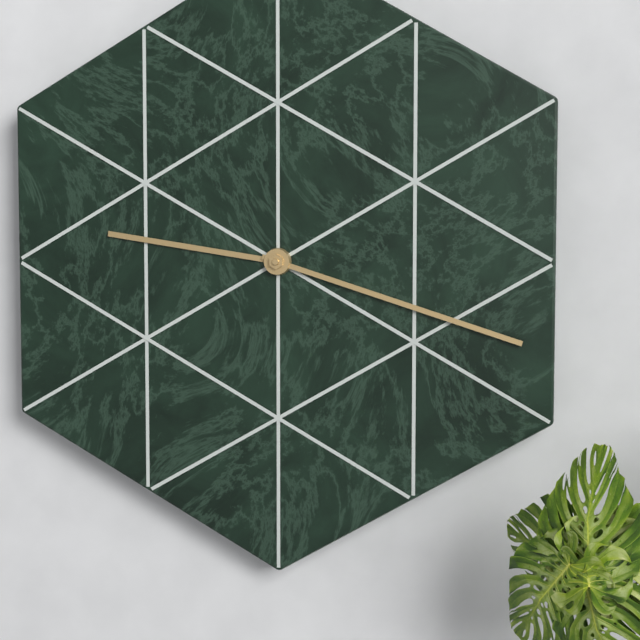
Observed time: 9:18
